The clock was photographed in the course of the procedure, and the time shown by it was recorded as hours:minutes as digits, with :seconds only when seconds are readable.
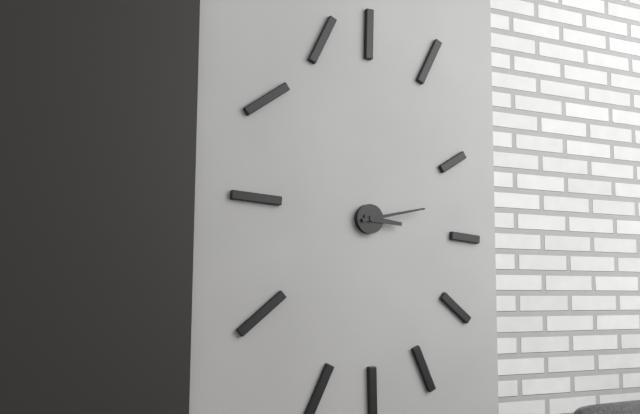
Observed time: 3:13
